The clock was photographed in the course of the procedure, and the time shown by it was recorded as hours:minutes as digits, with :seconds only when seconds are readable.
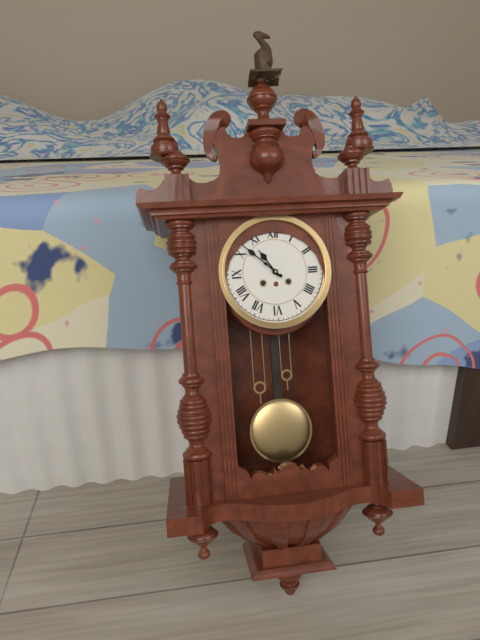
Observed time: 10:52
